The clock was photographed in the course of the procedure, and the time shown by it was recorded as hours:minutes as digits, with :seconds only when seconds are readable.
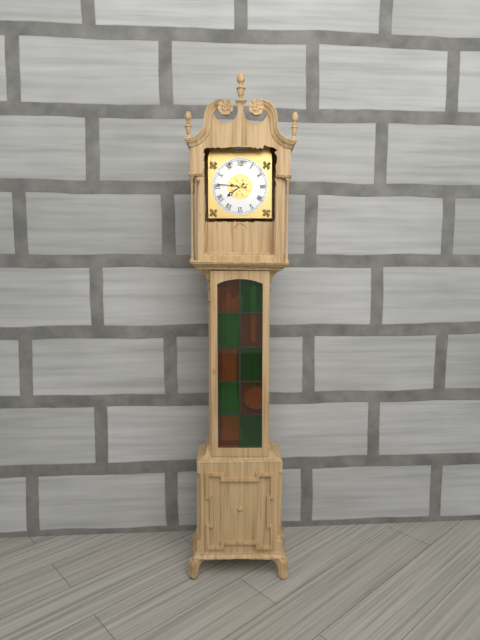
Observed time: 7:46
